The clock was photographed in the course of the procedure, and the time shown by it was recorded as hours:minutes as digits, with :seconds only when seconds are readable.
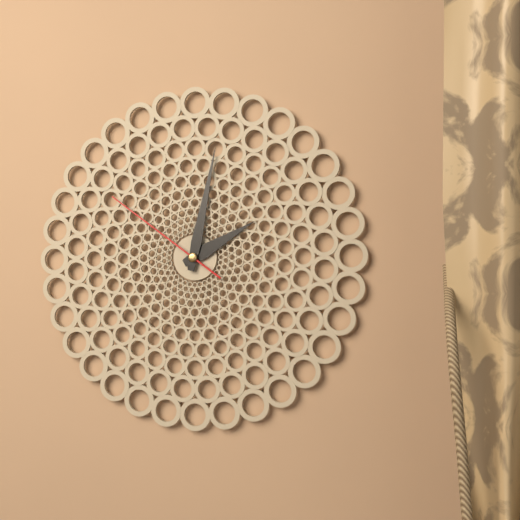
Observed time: 2:02:51
